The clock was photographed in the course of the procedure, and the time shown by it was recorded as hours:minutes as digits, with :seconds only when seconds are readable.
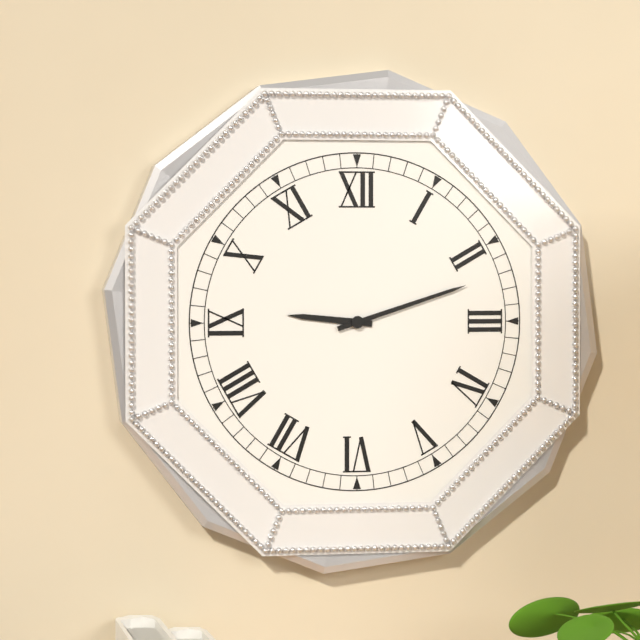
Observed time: 9:12
